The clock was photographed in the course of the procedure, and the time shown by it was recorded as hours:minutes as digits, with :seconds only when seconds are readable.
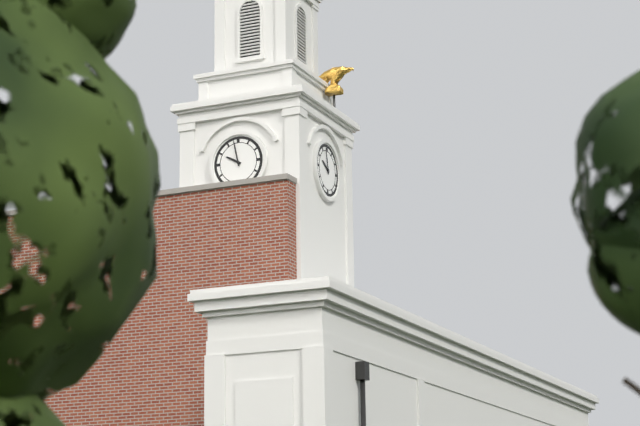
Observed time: 9:58
